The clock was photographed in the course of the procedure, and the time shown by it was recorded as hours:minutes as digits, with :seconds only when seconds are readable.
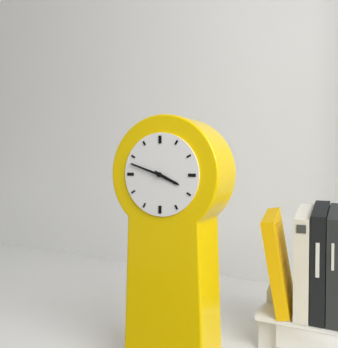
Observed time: 3:48
